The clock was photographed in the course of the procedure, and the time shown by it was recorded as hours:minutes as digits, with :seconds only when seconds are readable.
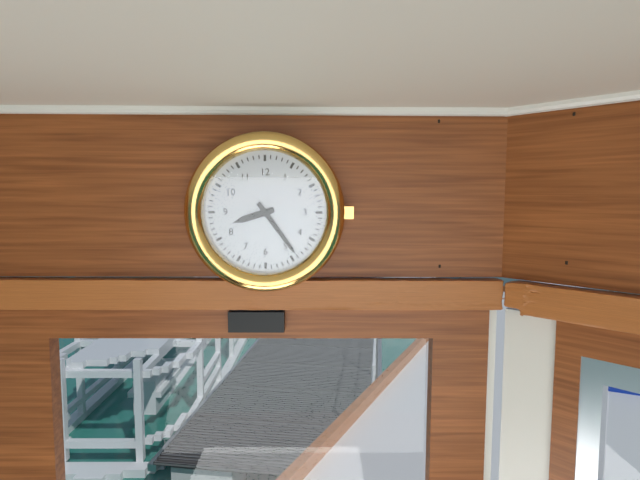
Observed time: 8:24
